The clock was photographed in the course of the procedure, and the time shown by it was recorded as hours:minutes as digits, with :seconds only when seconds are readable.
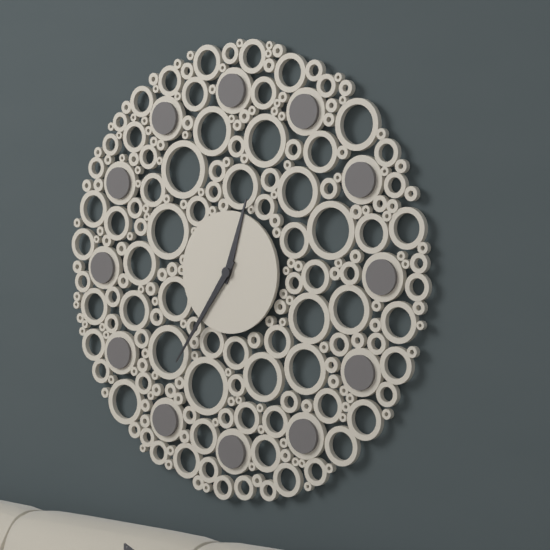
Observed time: 12:36
